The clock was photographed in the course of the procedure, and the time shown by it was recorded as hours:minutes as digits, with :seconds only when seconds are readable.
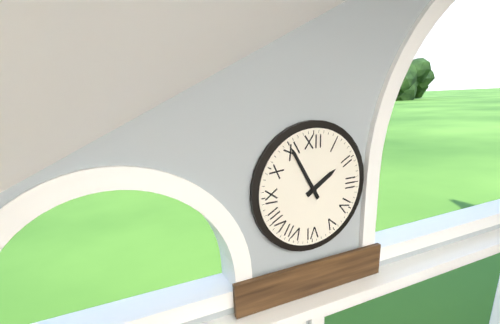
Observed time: 1:55
